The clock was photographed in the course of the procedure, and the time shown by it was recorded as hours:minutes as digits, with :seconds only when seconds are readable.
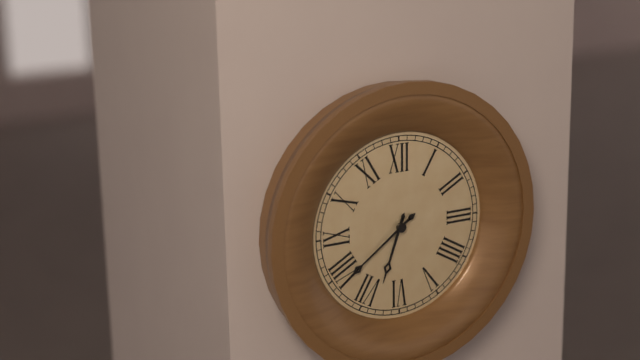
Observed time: 6:39
